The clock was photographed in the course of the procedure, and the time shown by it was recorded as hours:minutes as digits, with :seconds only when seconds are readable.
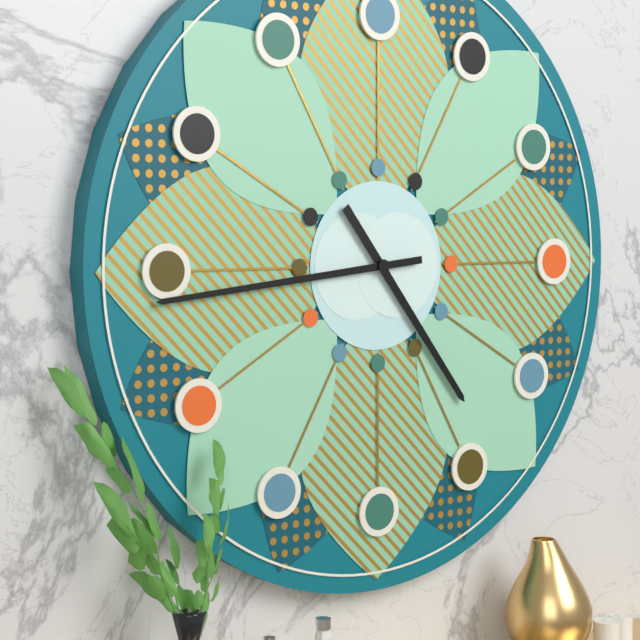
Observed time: 4:44
